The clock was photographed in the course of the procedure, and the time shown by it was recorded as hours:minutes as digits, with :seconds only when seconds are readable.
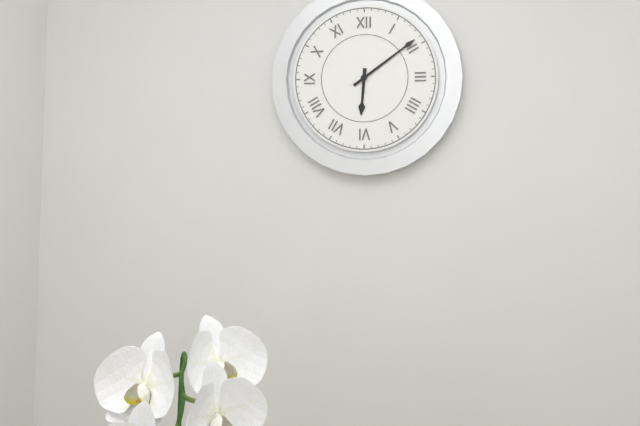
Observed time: 6:09
